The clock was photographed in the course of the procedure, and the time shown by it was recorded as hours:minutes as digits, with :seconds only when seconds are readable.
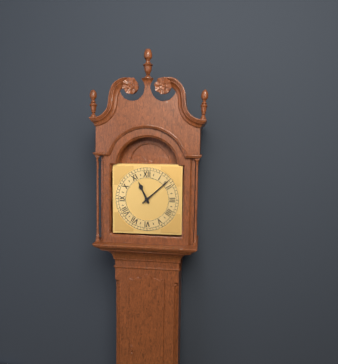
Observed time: 11:08
